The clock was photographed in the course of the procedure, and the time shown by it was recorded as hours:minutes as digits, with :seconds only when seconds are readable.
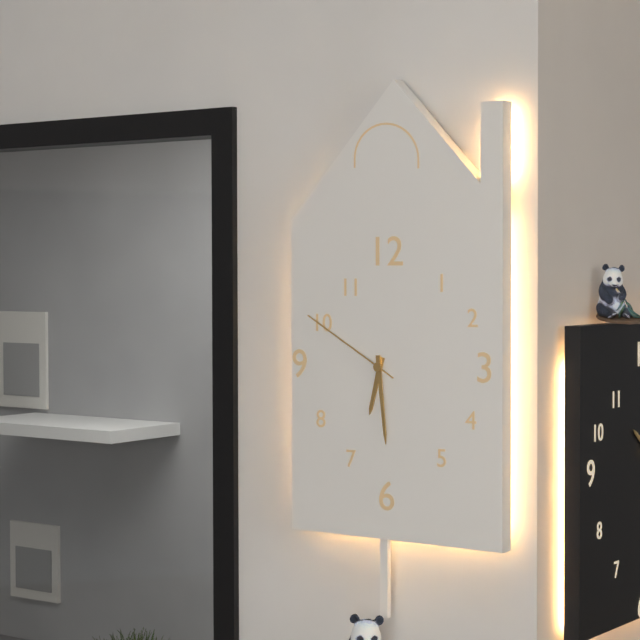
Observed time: 6:29:50
